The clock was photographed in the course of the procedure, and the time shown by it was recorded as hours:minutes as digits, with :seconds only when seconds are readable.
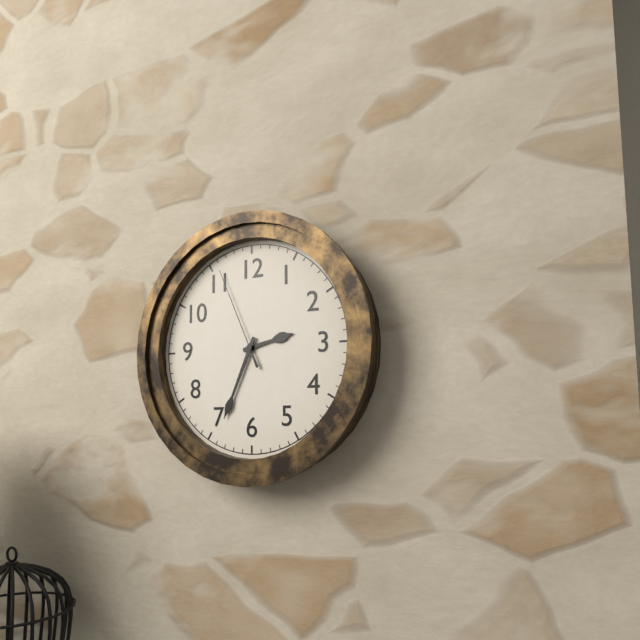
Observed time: 2:34:56
